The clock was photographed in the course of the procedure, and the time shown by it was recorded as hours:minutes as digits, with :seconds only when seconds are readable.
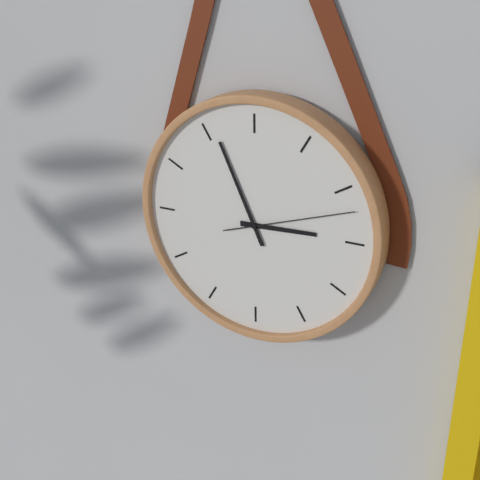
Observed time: 2:56:12
